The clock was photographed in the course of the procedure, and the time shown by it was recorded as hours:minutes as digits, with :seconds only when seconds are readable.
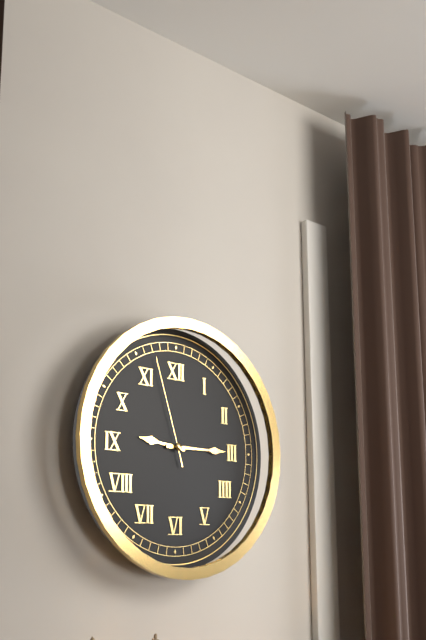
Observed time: 9:15:57
